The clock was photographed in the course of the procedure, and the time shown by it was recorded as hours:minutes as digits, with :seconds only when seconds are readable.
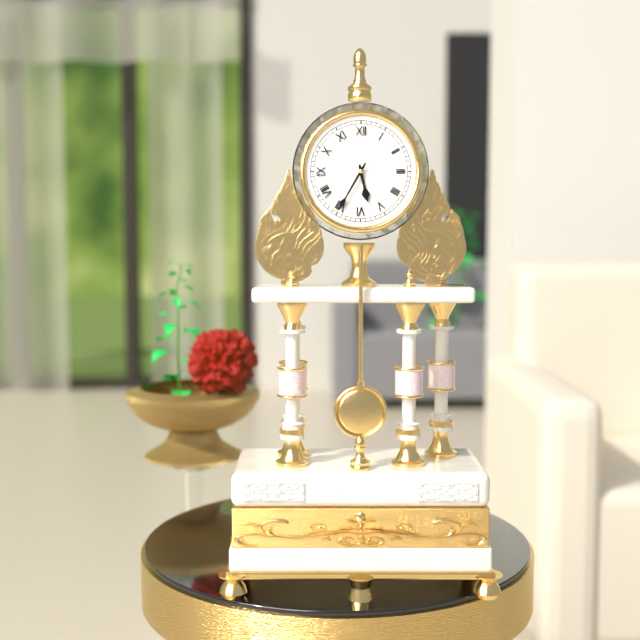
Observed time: 5:35
